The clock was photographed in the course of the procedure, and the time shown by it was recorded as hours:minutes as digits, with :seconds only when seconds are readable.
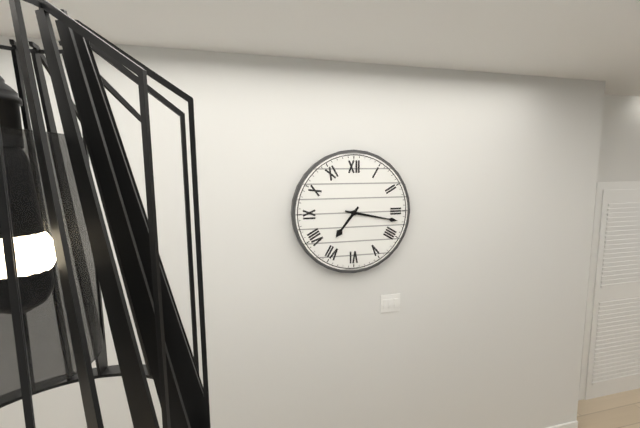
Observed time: 7:17
